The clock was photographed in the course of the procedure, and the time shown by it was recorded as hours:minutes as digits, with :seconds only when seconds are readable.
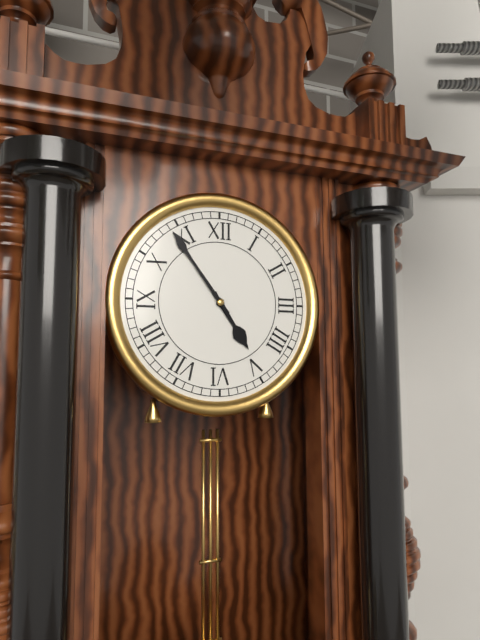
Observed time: 4:54
